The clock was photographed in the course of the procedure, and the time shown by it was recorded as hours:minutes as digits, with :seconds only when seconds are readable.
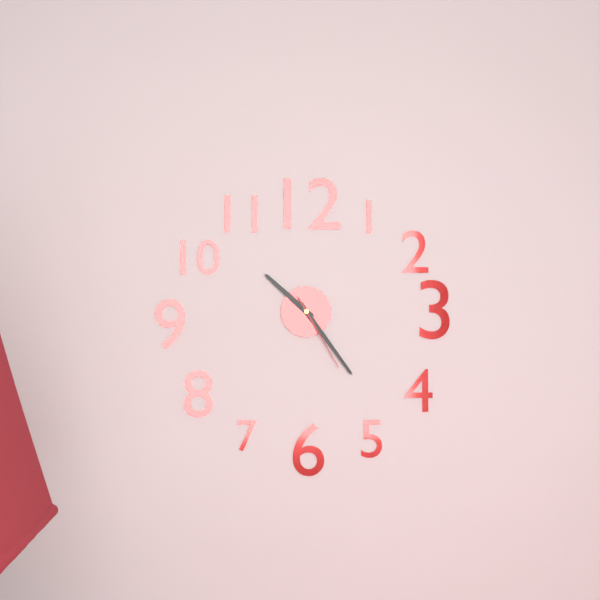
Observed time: 10:24:25
